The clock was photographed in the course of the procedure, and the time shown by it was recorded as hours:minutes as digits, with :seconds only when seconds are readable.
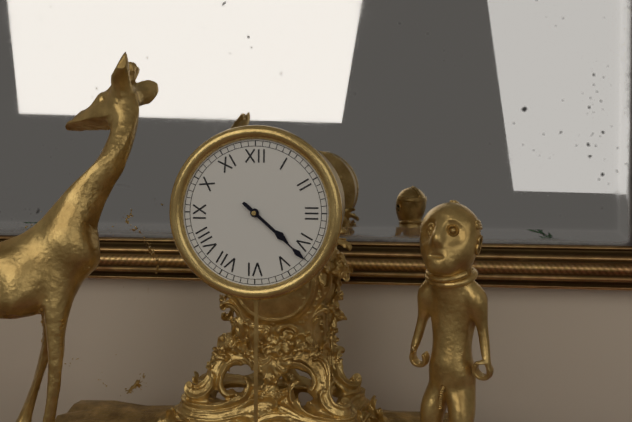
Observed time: 4:22
